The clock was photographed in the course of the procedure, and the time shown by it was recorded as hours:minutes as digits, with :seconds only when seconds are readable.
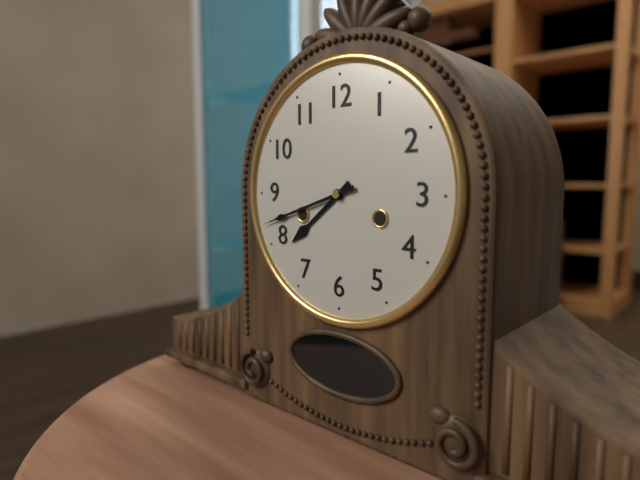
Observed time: 7:42
